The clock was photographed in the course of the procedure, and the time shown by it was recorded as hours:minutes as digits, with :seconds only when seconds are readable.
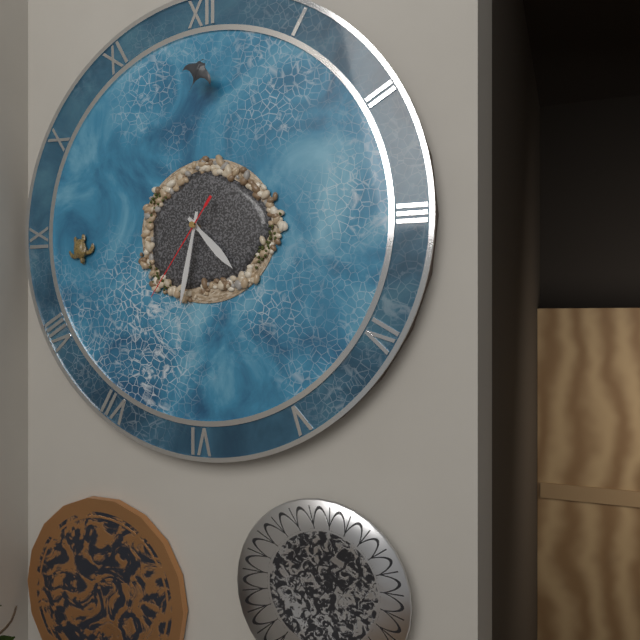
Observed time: 4:32:36
